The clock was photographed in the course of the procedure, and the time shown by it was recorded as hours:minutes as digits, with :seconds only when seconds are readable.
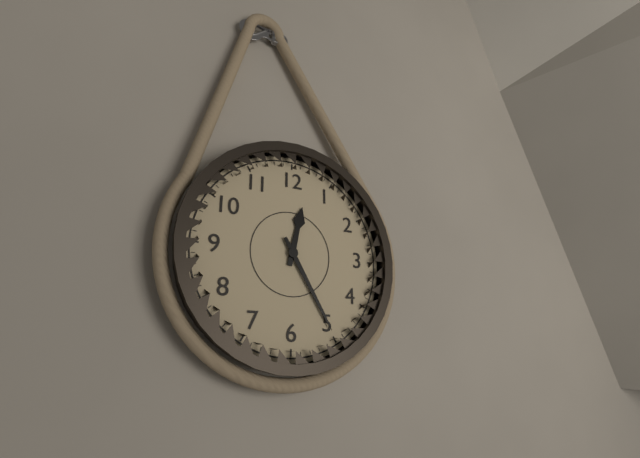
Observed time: 12:25
